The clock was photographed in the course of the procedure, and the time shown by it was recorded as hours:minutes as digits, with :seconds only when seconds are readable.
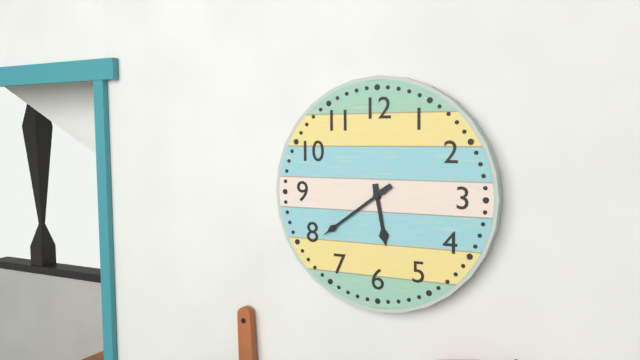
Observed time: 5:39
